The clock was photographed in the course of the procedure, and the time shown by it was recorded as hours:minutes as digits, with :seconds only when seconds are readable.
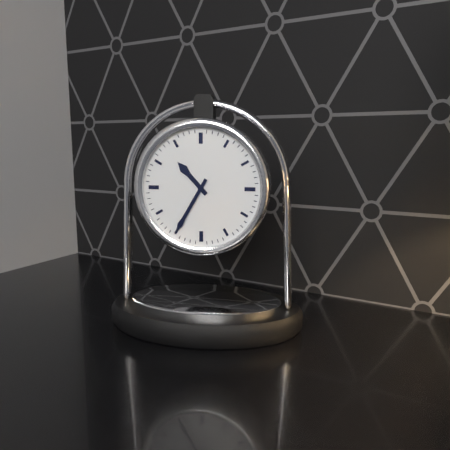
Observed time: 10:35
